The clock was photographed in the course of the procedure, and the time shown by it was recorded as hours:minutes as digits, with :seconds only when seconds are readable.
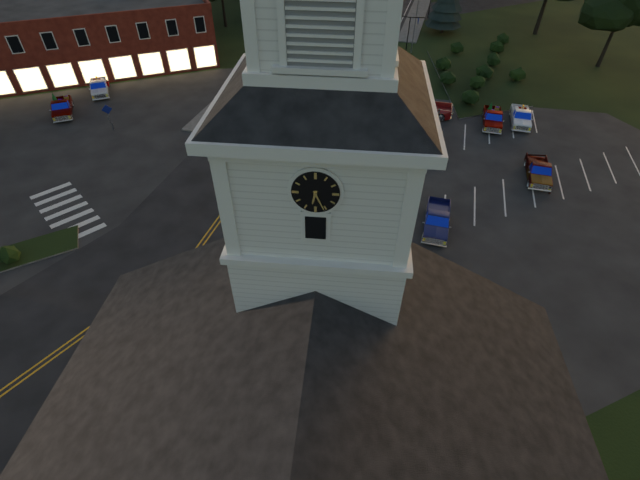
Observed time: 6:26
